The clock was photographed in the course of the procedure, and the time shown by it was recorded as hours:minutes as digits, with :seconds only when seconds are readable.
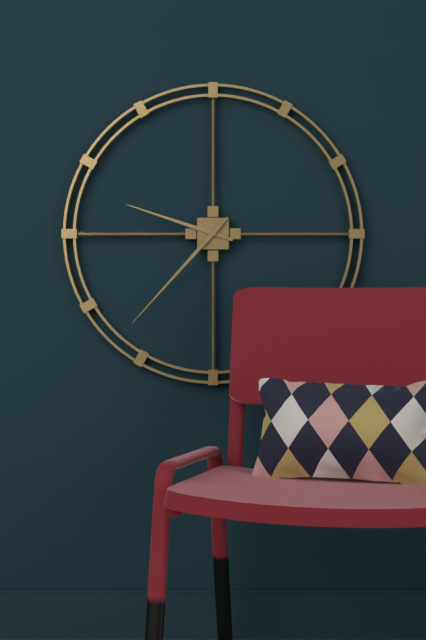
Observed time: 9:37
